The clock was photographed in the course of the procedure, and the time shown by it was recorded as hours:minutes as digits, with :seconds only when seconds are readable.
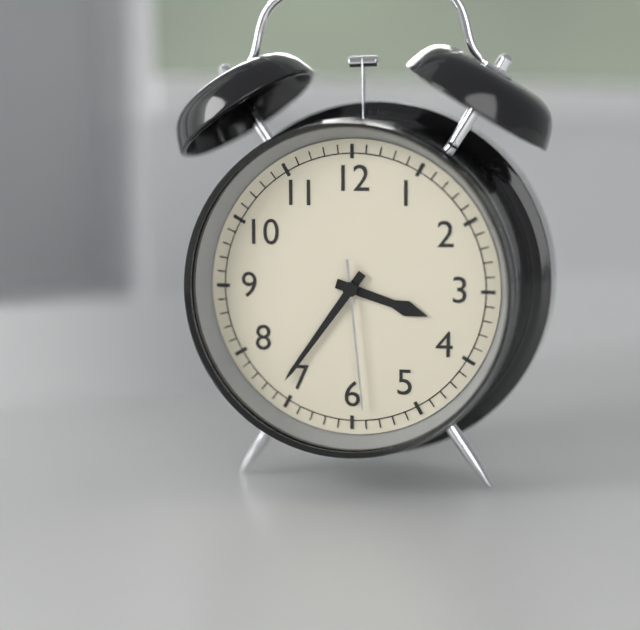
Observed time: 3:36:29
